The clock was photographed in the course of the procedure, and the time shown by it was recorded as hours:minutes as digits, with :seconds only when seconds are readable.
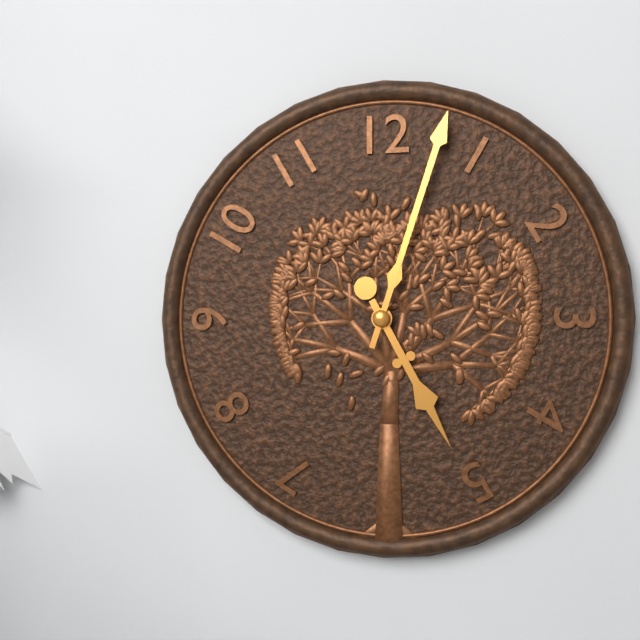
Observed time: 5:03
